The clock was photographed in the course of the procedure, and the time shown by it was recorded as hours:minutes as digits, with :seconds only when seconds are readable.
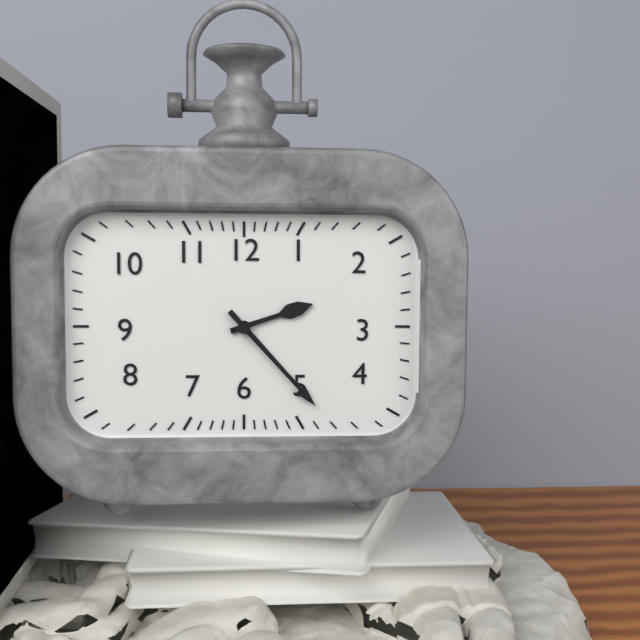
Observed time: 2:23
